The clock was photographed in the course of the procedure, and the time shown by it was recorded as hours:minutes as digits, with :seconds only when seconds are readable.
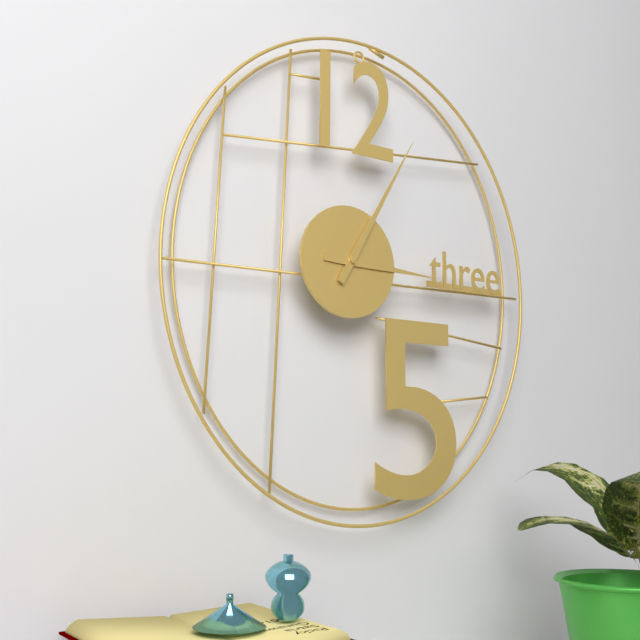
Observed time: 3:05
